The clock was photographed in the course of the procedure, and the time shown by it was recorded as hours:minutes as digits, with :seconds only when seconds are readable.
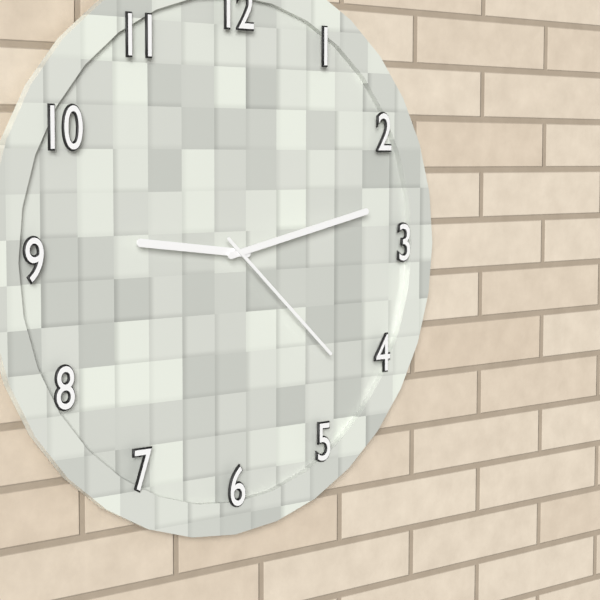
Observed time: 9:13:22
